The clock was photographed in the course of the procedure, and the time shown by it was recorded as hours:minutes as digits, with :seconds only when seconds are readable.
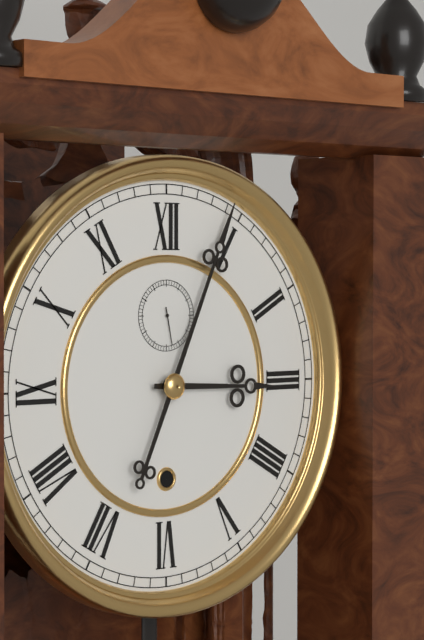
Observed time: 3:04
